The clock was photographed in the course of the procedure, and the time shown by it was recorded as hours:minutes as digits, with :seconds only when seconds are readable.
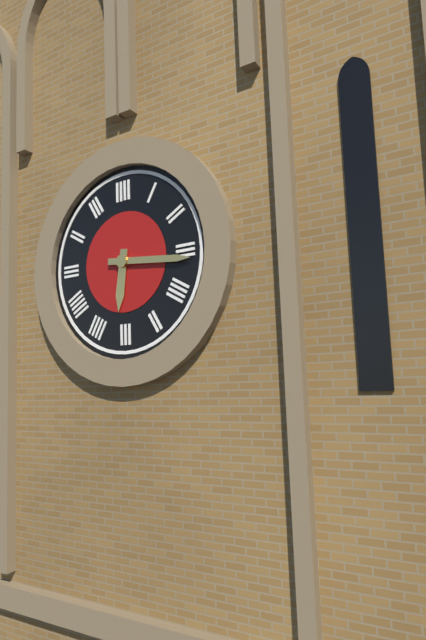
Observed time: 6:16
